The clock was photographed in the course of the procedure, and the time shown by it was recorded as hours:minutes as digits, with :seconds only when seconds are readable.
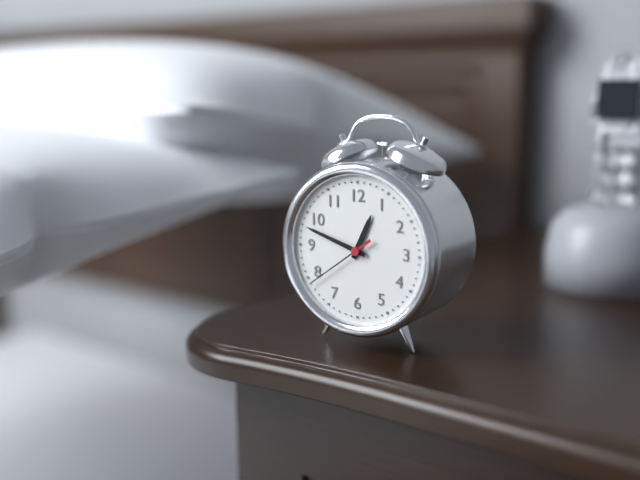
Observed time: 12:48:39
